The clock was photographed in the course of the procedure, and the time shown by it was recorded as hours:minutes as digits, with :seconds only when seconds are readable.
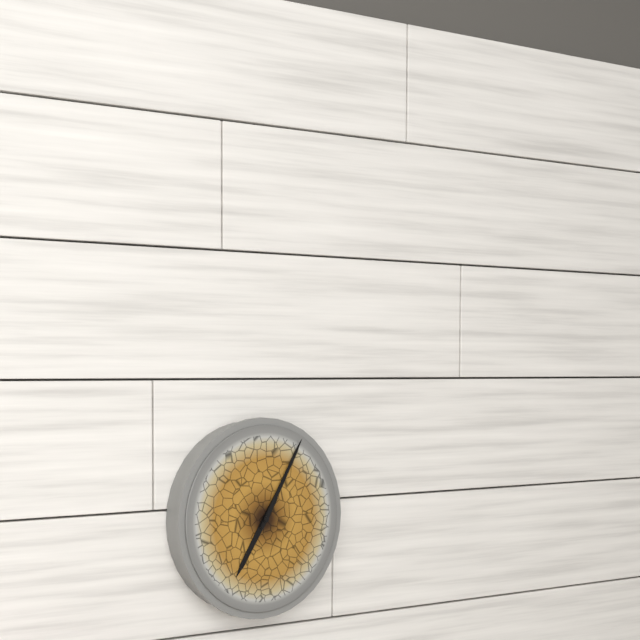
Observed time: 7:05
